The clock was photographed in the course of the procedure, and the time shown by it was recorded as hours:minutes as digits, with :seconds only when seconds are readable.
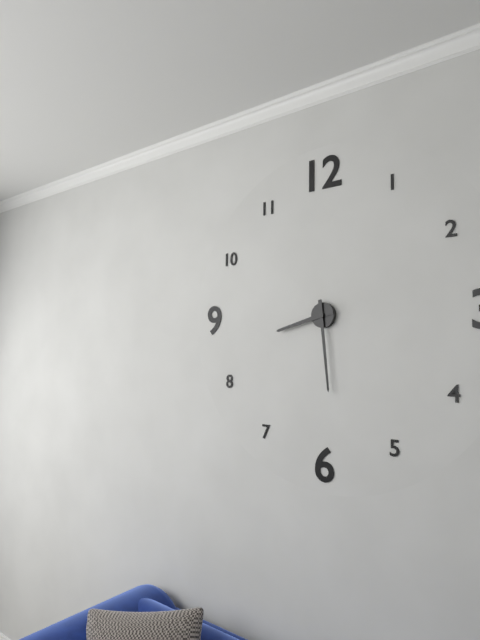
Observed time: 8:29
